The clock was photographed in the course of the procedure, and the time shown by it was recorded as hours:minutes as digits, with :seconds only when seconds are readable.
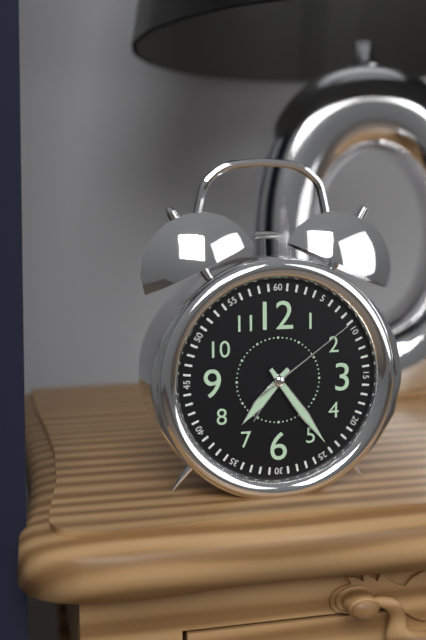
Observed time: 7:24:09
